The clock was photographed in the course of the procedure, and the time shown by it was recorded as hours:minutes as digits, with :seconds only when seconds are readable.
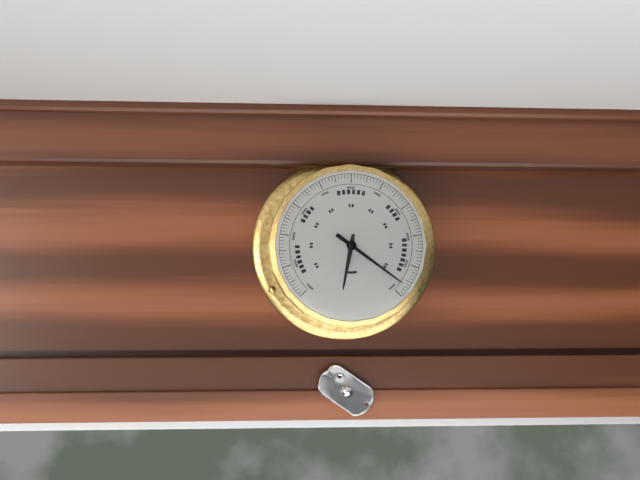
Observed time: 6:21
